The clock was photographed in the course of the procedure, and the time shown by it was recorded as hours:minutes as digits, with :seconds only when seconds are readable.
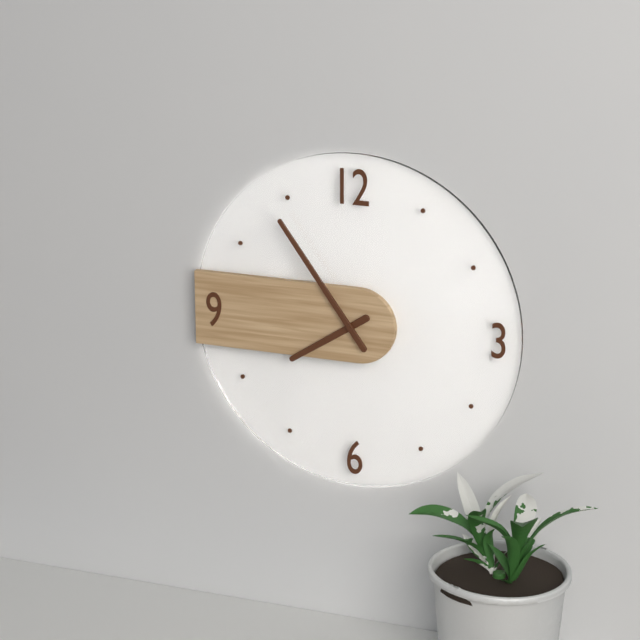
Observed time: 7:54
